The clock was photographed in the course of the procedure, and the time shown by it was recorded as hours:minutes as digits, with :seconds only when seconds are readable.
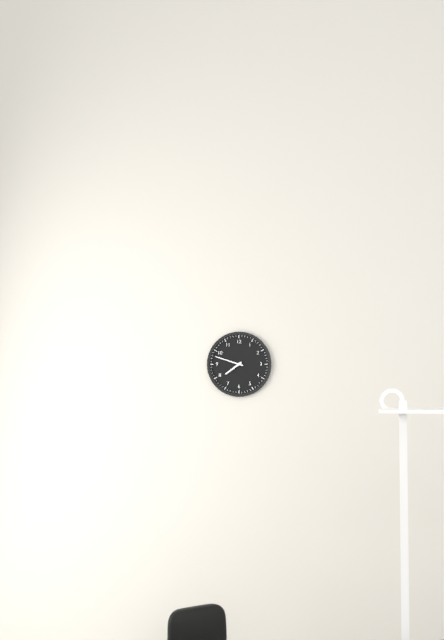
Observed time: 7:48
